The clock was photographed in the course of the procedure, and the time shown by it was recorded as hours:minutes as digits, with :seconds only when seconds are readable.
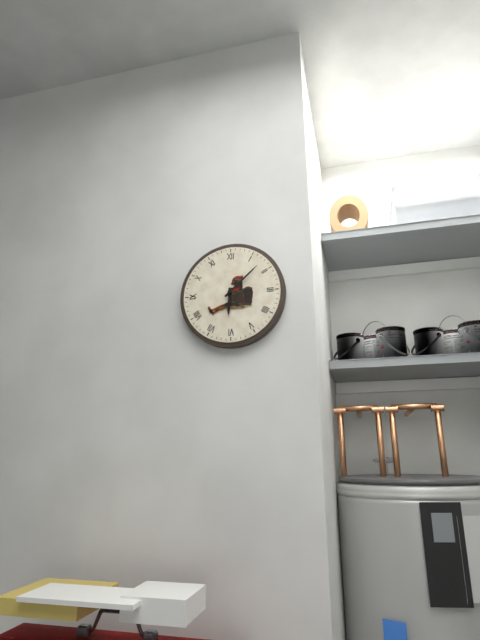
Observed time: 6:08
